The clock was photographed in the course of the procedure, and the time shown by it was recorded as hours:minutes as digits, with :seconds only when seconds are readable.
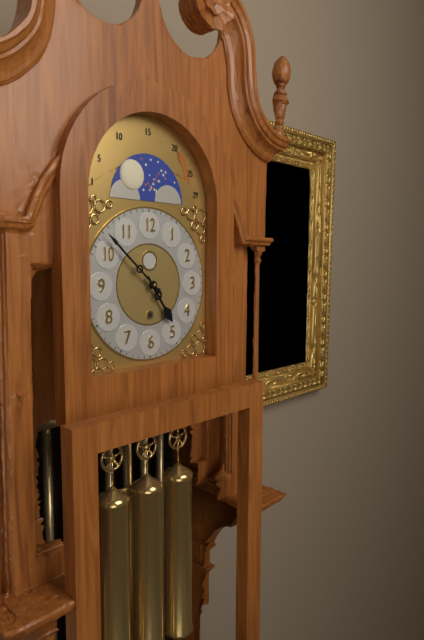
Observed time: 4:52
